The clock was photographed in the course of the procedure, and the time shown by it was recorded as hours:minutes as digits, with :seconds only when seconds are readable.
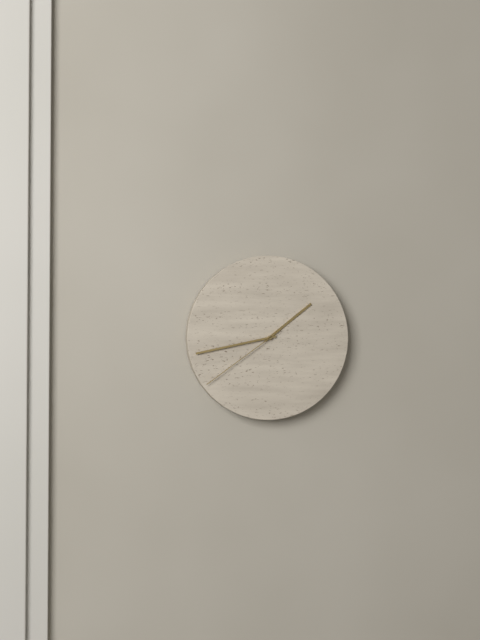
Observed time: 1:43:39
